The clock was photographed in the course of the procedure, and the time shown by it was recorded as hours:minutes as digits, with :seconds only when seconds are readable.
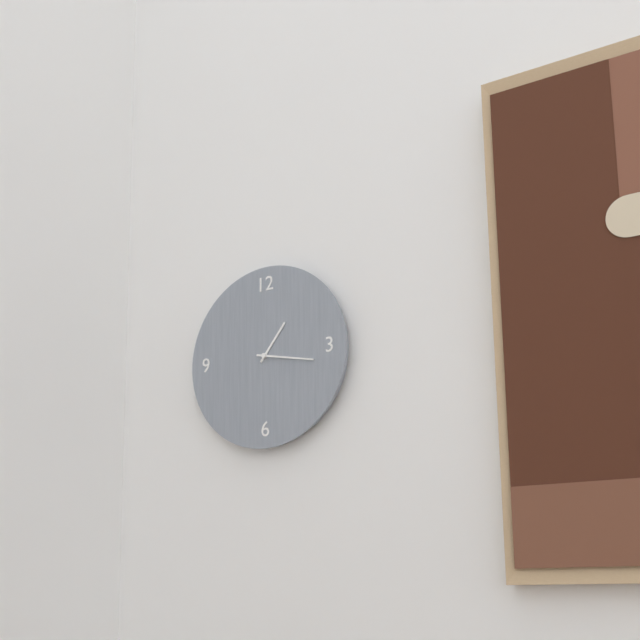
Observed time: 1:17
